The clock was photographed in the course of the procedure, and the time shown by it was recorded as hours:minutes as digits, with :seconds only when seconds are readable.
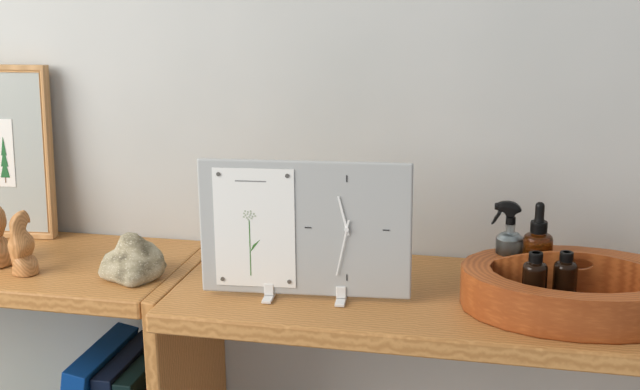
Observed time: 11:32
